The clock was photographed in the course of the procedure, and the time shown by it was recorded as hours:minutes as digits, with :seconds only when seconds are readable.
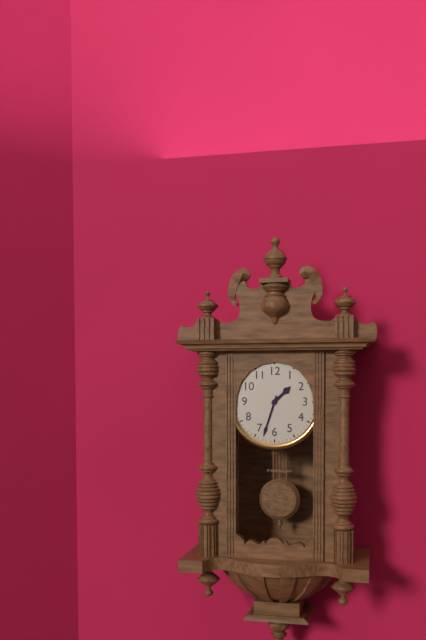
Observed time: 1:33
